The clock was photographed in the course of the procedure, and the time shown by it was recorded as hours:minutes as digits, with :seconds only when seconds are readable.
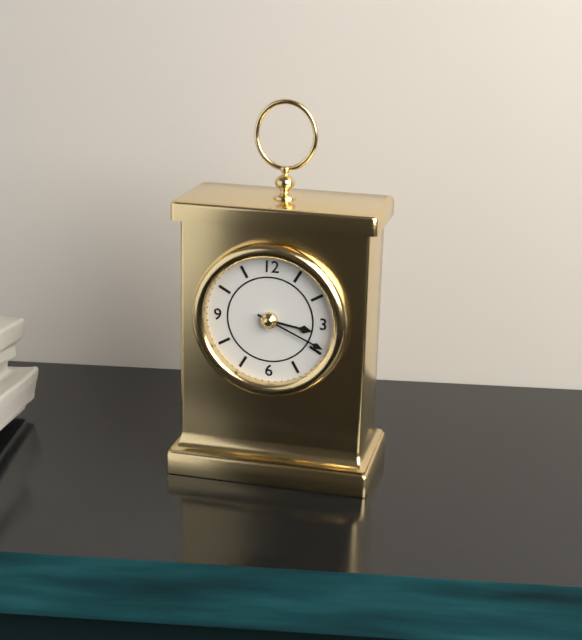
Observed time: 3:19
